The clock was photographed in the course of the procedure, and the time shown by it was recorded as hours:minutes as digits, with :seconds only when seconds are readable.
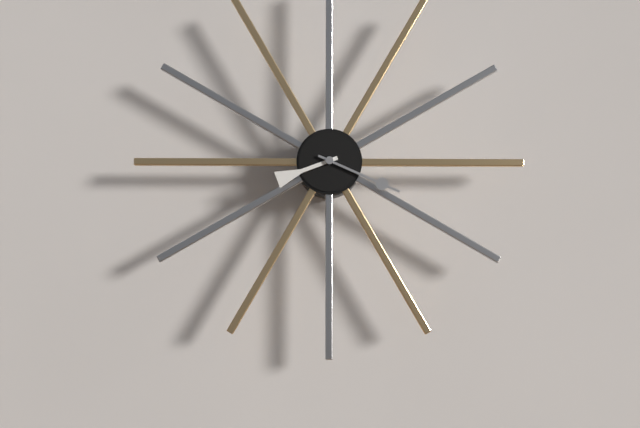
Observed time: 8:19
